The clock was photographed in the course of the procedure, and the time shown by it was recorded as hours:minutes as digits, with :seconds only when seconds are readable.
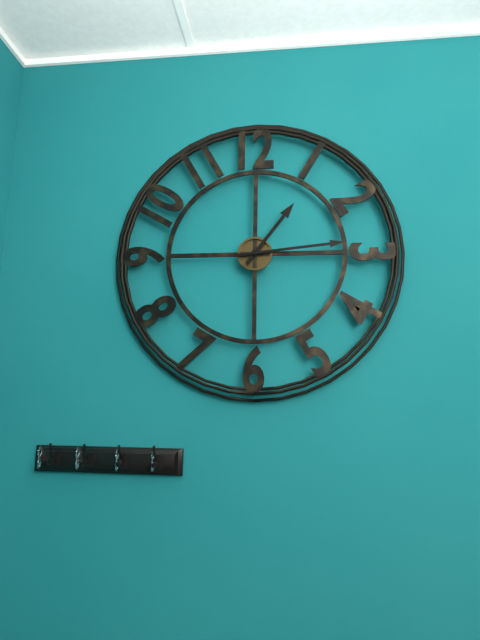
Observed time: 1:14
